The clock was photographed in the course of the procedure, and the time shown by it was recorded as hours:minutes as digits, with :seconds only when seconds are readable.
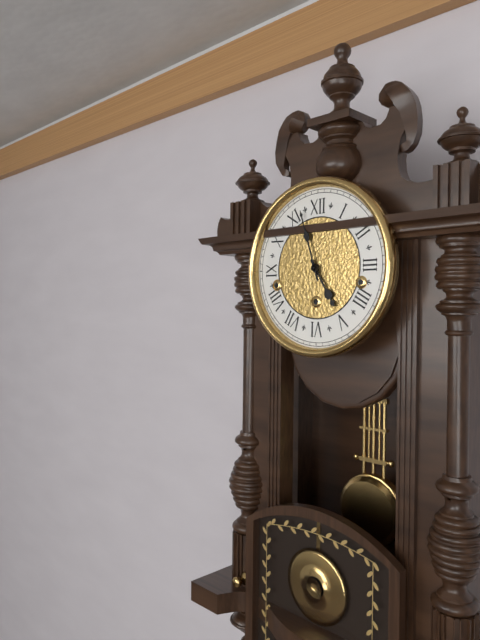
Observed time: 4:57
